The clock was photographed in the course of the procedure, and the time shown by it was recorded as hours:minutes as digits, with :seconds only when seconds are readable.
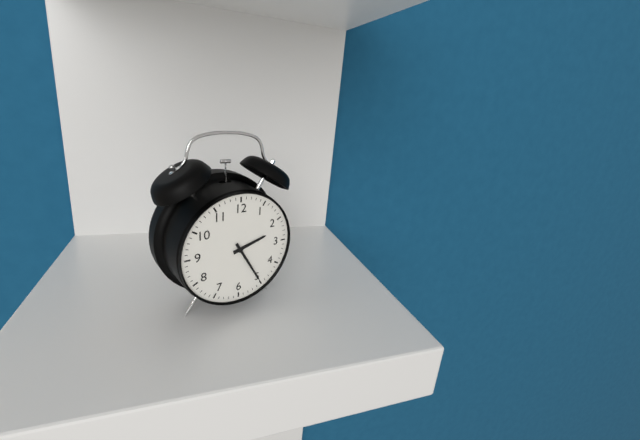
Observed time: 2:25
